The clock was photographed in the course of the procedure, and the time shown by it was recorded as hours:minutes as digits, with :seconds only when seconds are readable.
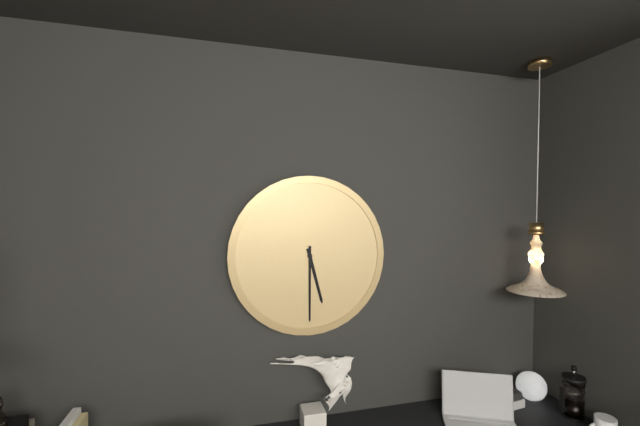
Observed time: 5:30
